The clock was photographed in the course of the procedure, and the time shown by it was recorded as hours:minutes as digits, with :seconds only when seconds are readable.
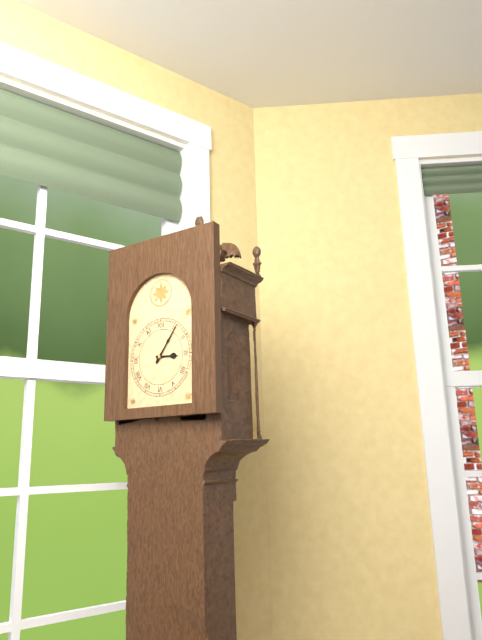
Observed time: 3:06
